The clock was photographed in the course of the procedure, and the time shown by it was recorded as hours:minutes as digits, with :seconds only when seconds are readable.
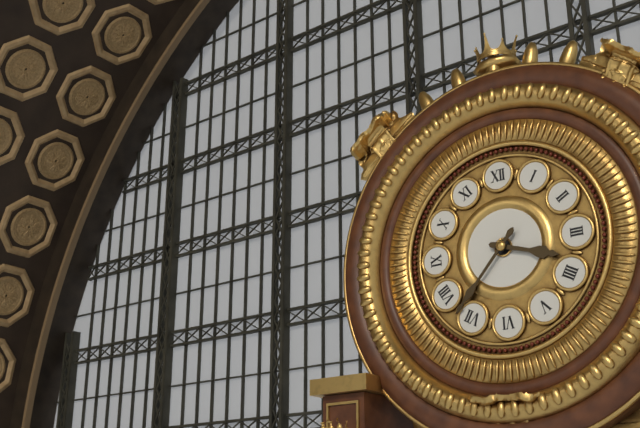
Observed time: 3:37
